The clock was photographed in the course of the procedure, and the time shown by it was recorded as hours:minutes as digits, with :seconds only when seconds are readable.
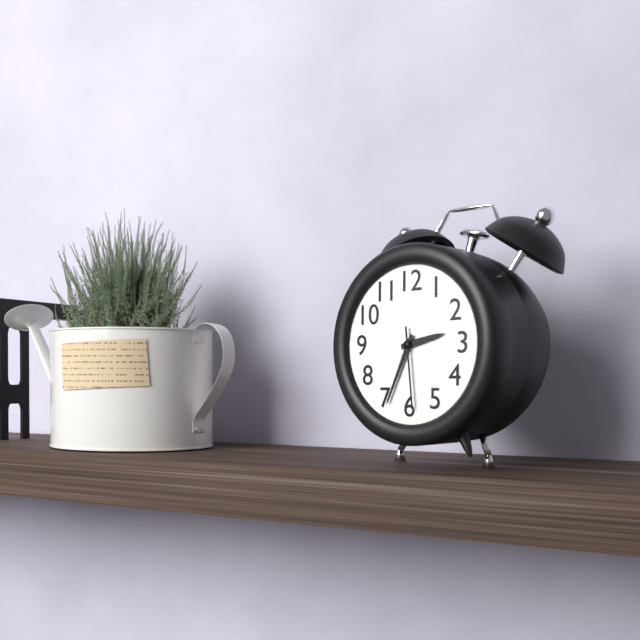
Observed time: 2:34:29
